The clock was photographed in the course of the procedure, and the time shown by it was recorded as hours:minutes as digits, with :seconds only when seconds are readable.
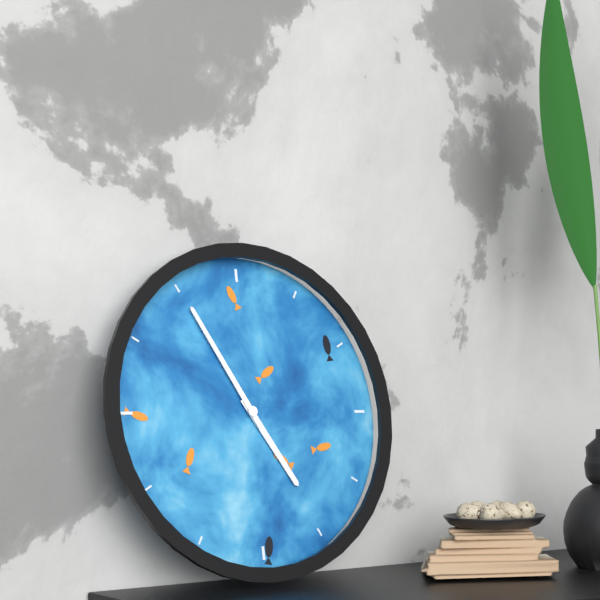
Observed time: 4:55
